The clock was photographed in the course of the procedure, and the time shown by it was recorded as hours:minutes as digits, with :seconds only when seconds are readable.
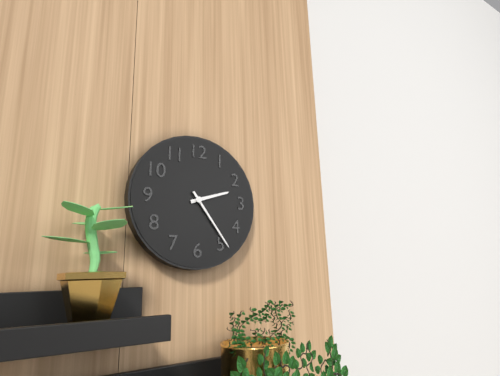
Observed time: 2:24
